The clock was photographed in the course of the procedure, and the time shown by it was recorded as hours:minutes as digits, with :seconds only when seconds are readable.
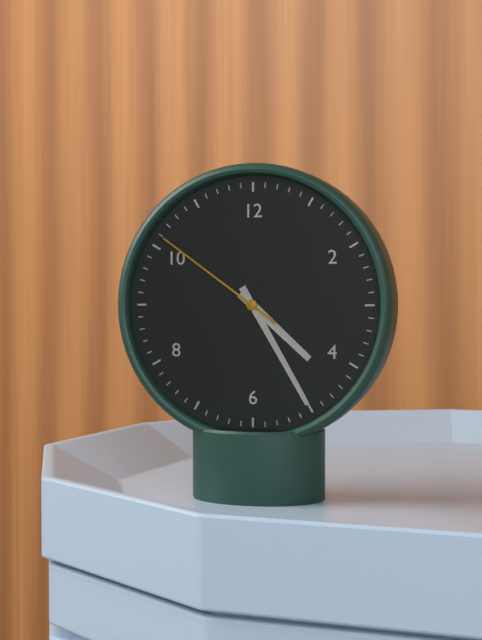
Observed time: 4:25:51
